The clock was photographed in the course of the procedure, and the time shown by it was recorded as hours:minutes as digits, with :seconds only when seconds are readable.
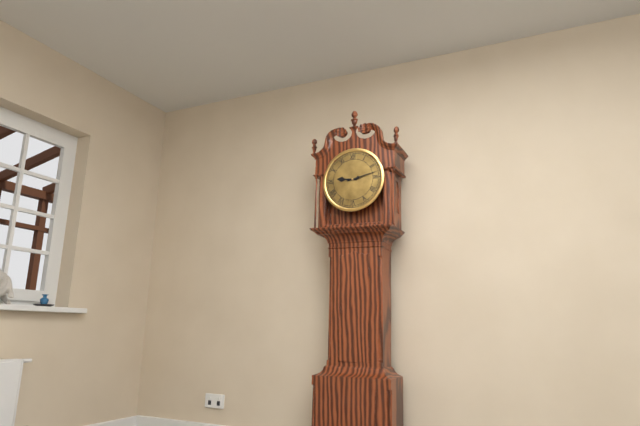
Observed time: 9:13
